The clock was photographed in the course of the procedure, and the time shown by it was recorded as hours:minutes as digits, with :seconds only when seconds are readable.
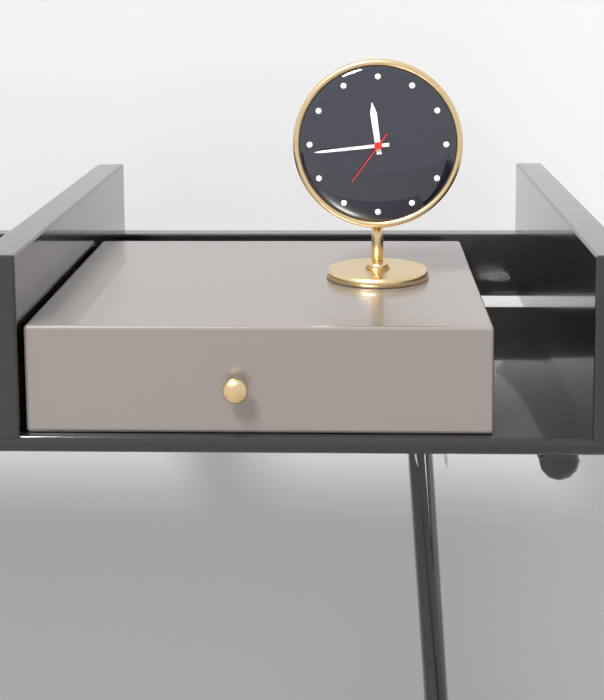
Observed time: 11:44:36
